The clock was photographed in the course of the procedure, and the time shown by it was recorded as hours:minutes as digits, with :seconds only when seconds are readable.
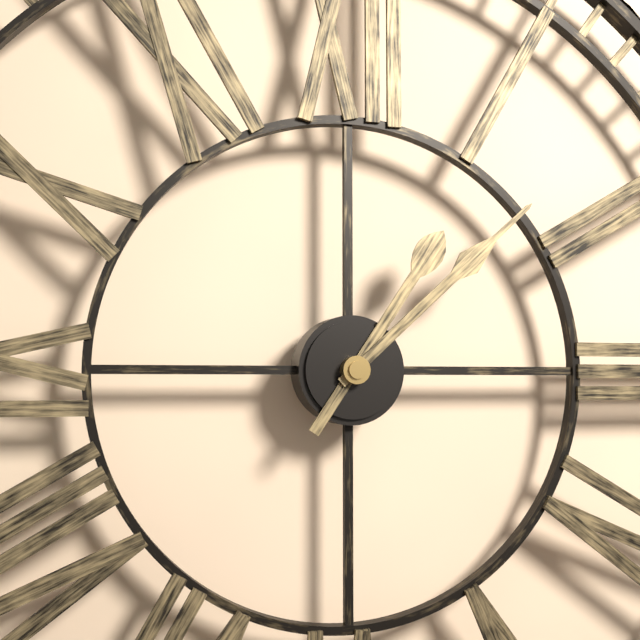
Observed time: 1:08
